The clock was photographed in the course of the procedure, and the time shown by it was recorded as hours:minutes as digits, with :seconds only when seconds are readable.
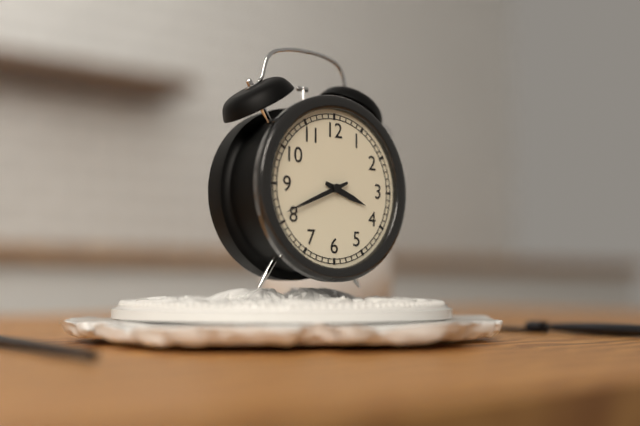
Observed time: 3:41
